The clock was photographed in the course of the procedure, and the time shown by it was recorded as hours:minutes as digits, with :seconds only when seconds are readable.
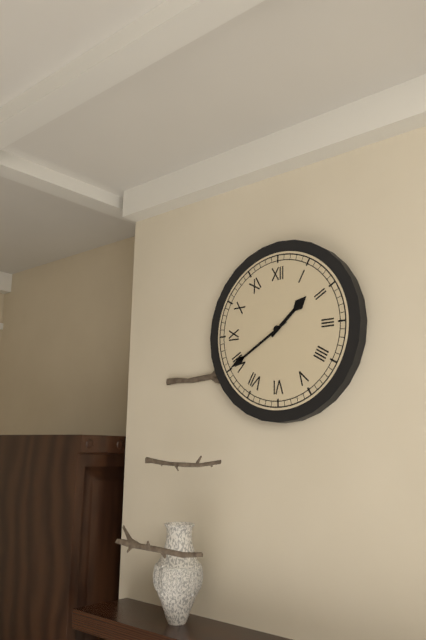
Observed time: 1:40
